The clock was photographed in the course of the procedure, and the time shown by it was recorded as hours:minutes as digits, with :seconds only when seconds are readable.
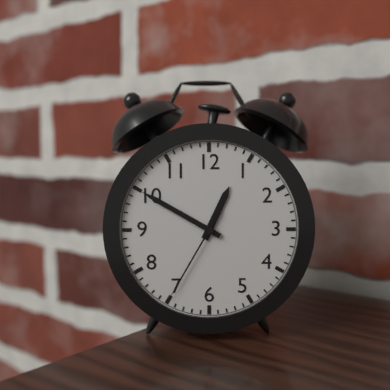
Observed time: 12:50:35
